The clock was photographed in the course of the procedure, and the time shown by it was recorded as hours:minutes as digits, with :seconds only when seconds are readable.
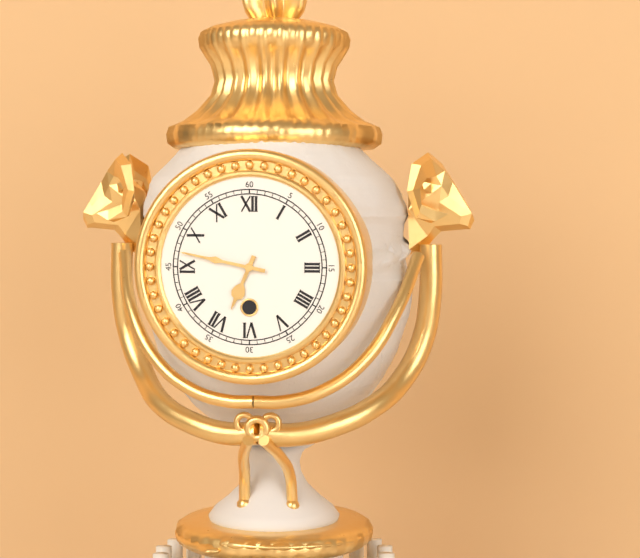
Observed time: 6:47
